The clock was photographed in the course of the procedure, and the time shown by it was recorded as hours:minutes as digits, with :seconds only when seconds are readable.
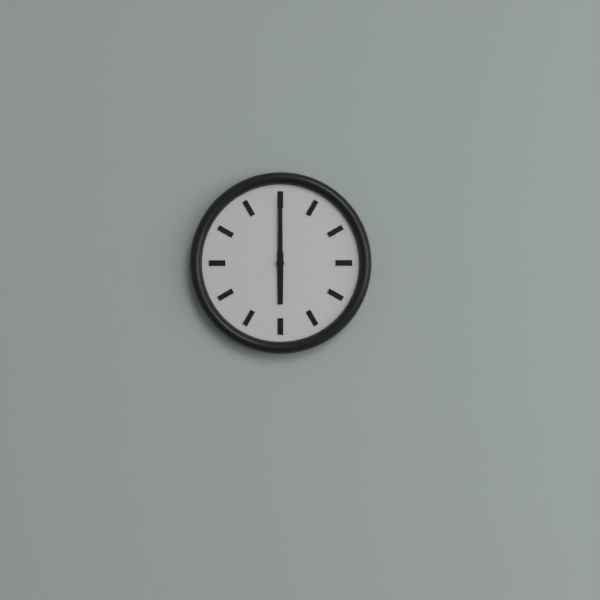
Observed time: 6:00
